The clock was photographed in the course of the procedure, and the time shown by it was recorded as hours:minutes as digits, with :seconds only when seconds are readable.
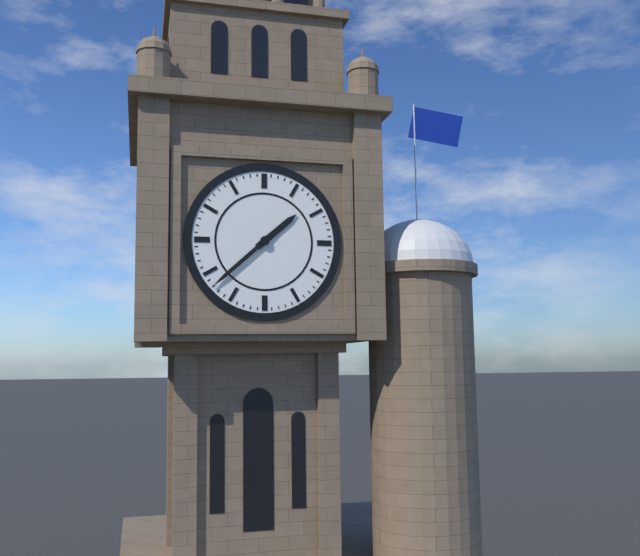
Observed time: 1:38
